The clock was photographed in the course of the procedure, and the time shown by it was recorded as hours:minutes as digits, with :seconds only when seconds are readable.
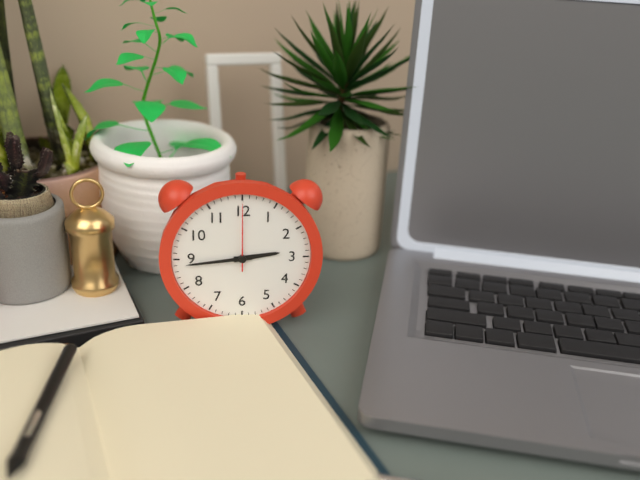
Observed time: 2:44:00
